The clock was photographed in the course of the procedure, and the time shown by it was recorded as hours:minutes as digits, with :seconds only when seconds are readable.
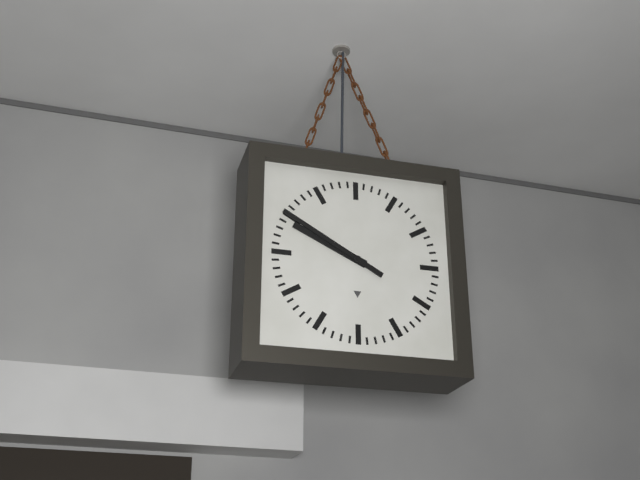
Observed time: 9:50
